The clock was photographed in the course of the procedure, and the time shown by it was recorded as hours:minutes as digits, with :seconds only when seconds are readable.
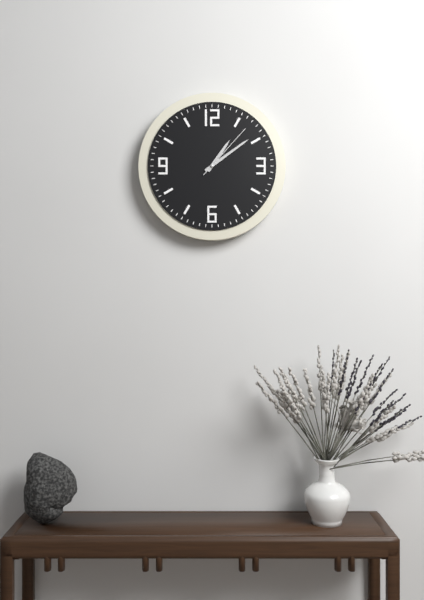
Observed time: 1:09:07
